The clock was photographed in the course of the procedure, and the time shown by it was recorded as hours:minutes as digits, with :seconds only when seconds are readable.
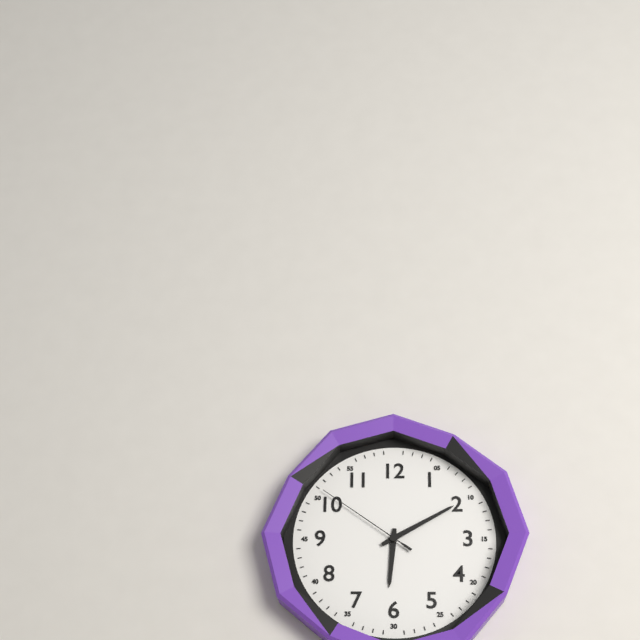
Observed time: 6:10:51
